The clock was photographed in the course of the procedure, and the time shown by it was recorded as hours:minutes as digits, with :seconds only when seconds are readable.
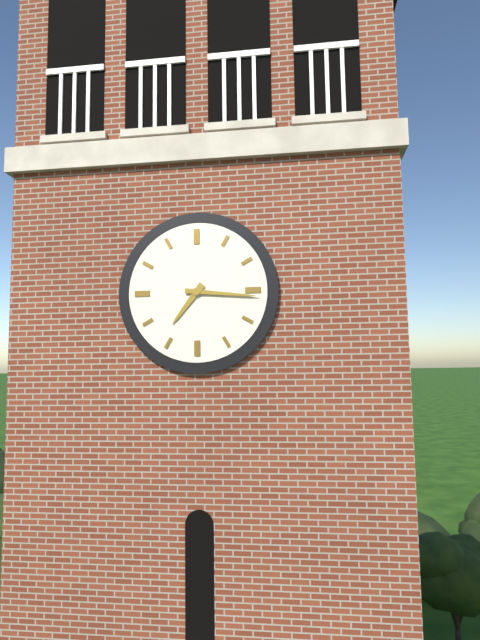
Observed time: 7:16
